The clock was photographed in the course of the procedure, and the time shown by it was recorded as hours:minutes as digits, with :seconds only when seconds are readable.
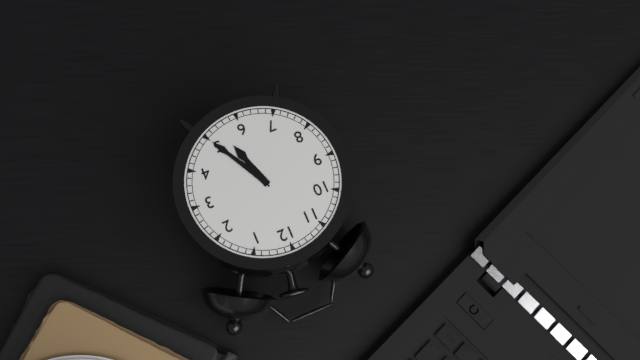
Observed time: 5:25:27
